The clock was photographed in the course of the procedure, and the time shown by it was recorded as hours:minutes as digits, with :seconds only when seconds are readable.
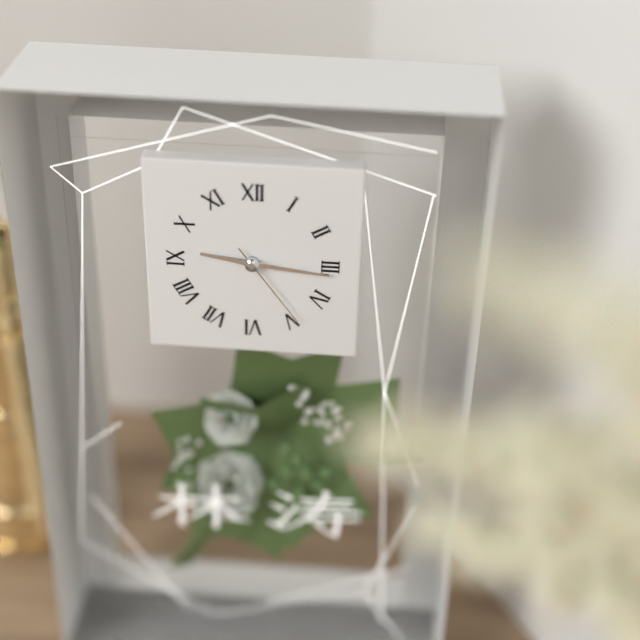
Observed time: 9:16:24
